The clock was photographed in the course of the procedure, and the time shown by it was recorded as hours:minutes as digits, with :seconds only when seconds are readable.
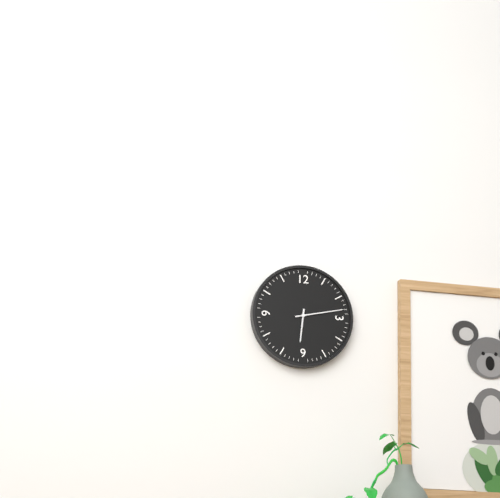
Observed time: 6:13
